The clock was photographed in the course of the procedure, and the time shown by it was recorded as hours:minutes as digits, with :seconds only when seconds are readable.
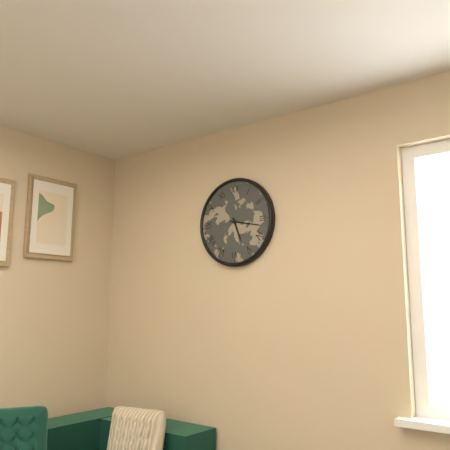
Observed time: 5:17
